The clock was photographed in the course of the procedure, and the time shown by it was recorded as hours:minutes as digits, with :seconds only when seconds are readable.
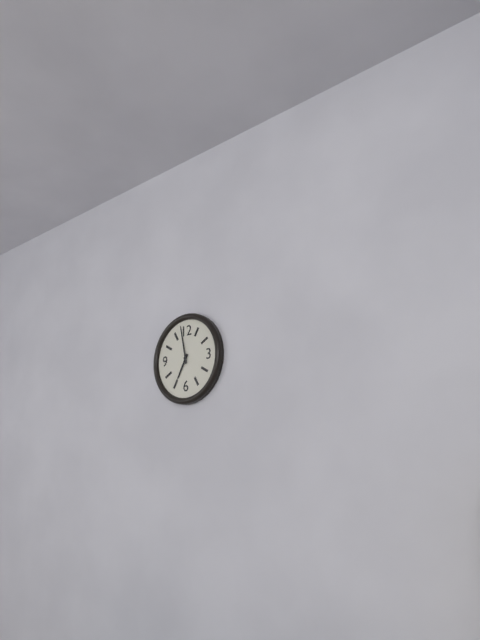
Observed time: 6:58
